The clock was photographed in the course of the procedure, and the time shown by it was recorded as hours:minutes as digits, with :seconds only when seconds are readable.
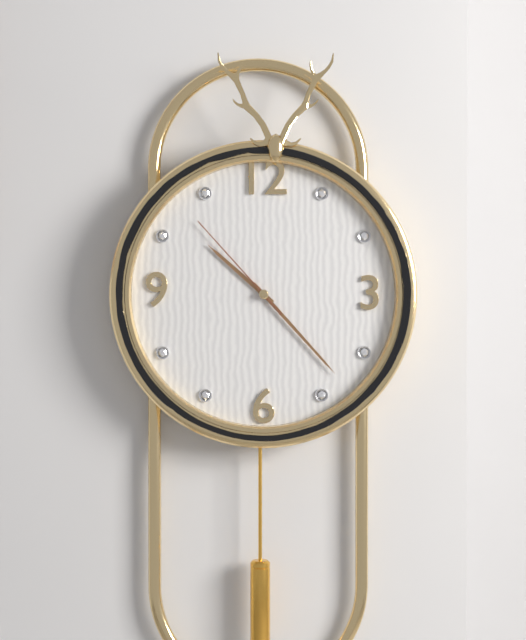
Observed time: 10:23:53
